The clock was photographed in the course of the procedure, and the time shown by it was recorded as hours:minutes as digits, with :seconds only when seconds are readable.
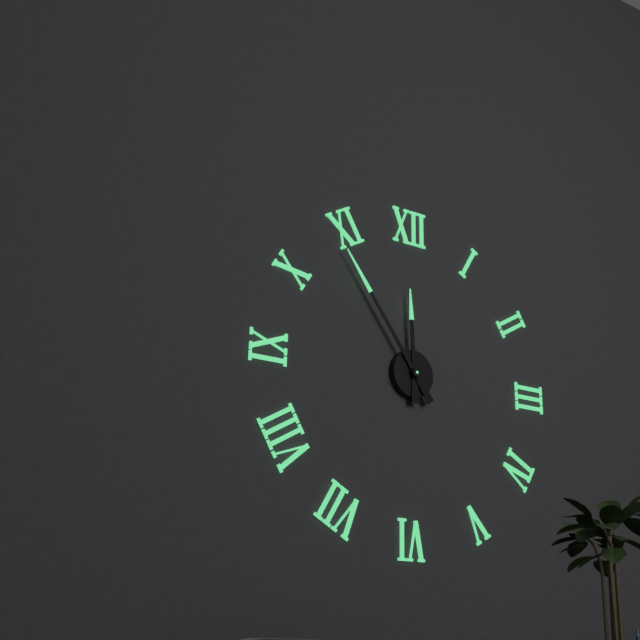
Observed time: 11:54
